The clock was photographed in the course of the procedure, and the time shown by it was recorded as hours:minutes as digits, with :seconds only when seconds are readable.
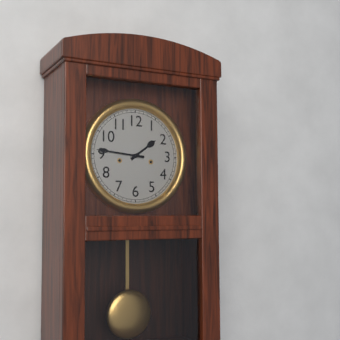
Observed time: 1:46
